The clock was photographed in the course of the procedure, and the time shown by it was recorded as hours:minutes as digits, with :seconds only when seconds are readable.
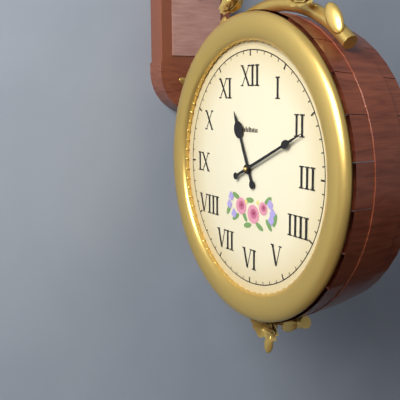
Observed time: 11:11
